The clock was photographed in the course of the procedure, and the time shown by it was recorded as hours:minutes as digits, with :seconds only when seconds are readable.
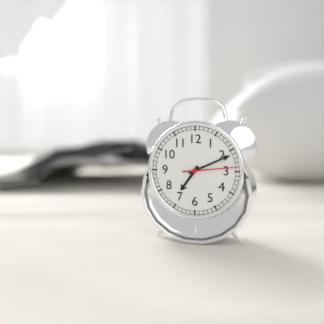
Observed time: 7:11:14
